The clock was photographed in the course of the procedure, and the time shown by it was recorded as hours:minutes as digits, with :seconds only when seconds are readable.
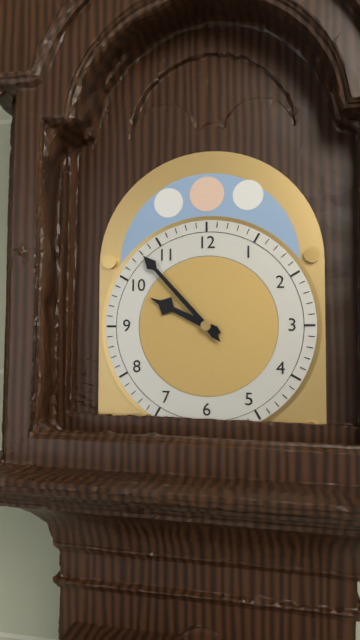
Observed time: 9:53
